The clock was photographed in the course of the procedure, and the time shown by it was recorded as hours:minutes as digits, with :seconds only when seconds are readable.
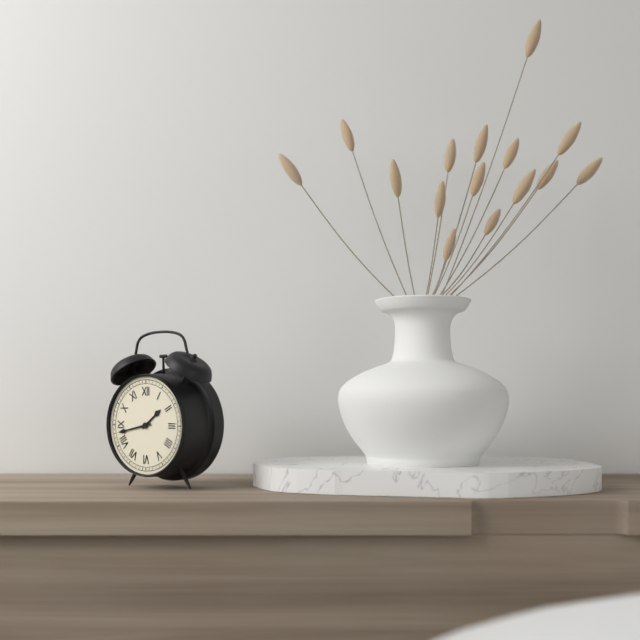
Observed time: 1:43
